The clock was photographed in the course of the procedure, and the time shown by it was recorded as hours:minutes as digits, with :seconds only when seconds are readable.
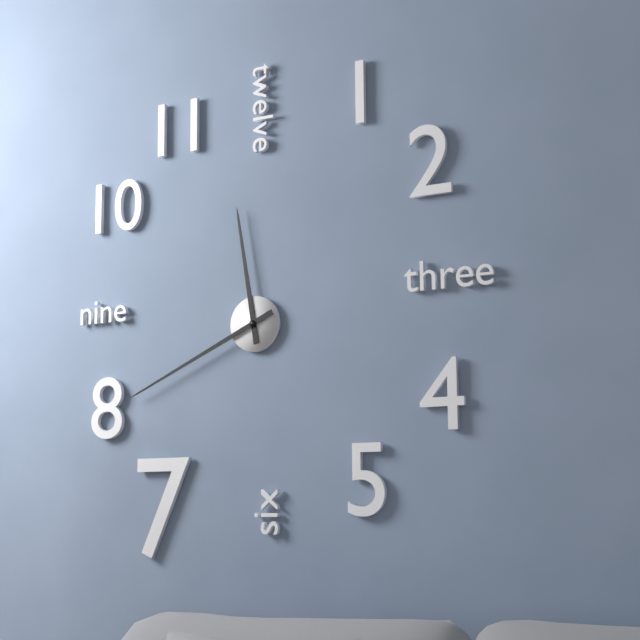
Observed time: 11:41
